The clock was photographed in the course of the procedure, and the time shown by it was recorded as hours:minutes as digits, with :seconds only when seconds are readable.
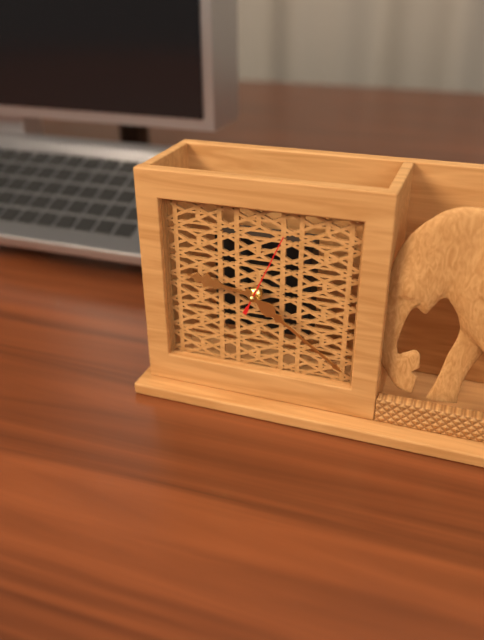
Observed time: 9:21:04
